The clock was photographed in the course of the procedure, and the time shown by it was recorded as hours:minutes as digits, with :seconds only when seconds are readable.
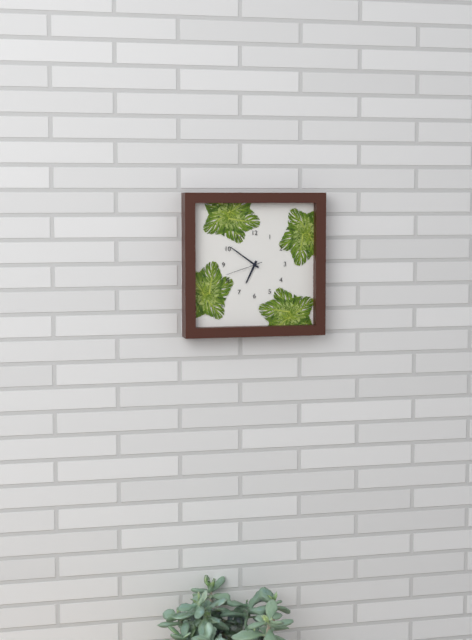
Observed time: 6:51
